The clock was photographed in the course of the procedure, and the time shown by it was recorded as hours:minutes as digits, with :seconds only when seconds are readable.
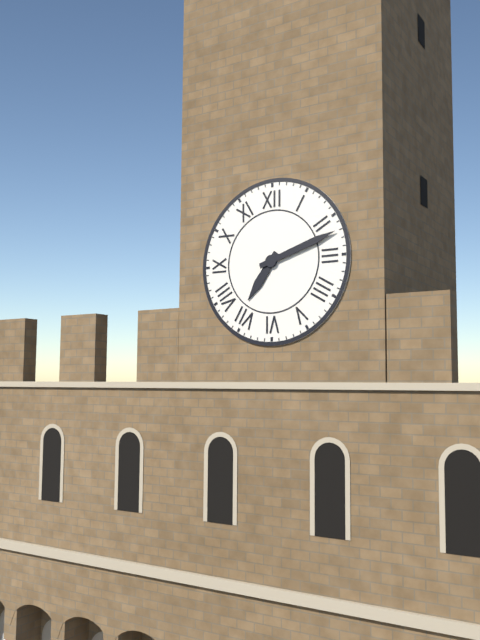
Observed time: 7:12
